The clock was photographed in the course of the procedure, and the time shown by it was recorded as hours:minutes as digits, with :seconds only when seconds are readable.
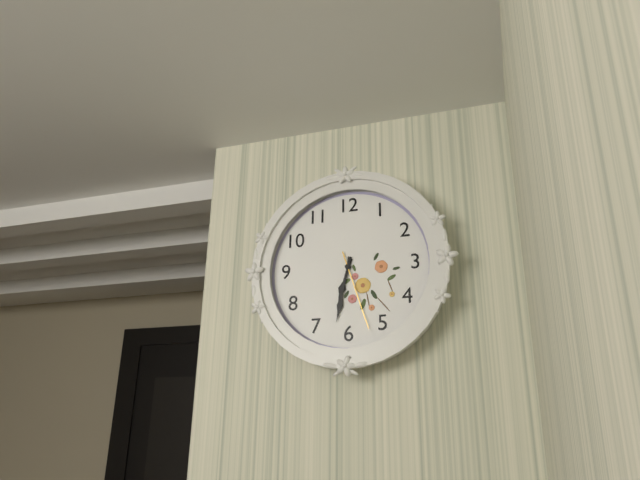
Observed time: 6:32:27
